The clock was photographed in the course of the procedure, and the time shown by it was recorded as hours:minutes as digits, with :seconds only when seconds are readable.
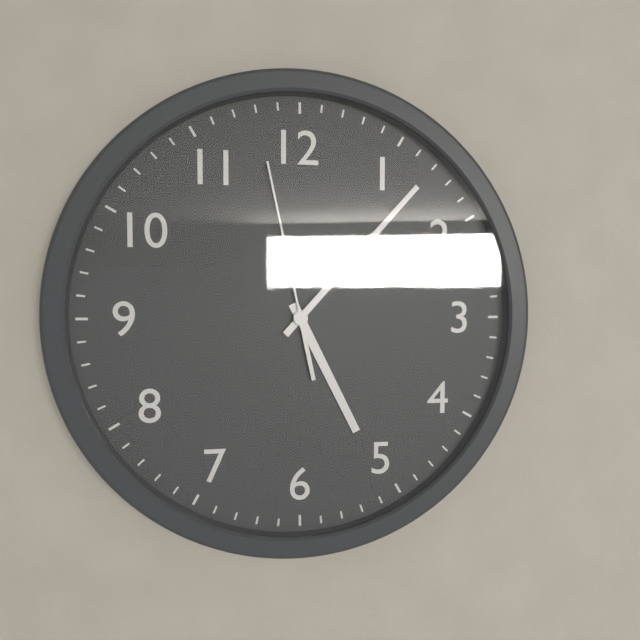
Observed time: 5:07:58
